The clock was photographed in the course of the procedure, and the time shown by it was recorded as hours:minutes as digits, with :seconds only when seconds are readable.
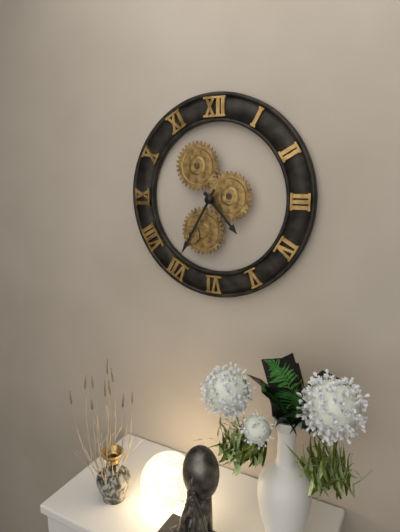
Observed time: 4:35
